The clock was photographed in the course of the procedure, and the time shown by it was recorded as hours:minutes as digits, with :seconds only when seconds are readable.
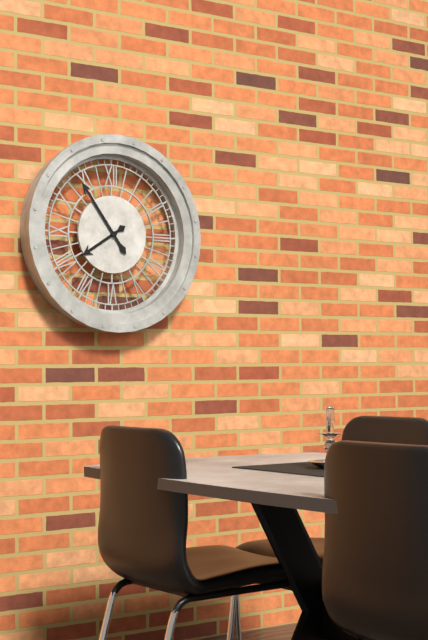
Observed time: 7:54
